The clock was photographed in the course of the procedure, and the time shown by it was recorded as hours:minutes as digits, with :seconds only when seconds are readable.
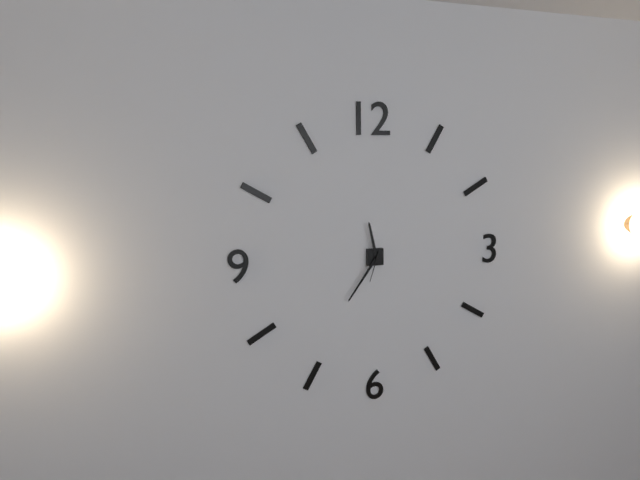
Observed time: 11:36
